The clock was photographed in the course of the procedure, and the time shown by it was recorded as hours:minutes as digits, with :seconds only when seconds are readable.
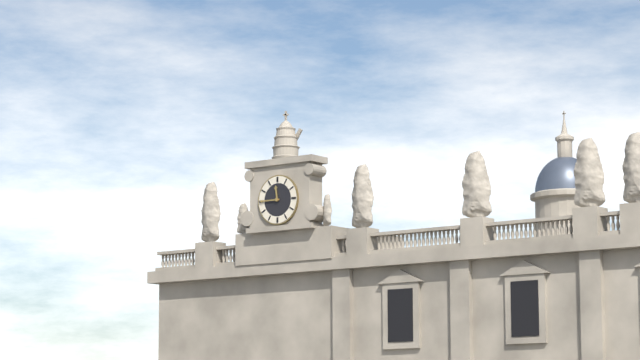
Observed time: 11:45
